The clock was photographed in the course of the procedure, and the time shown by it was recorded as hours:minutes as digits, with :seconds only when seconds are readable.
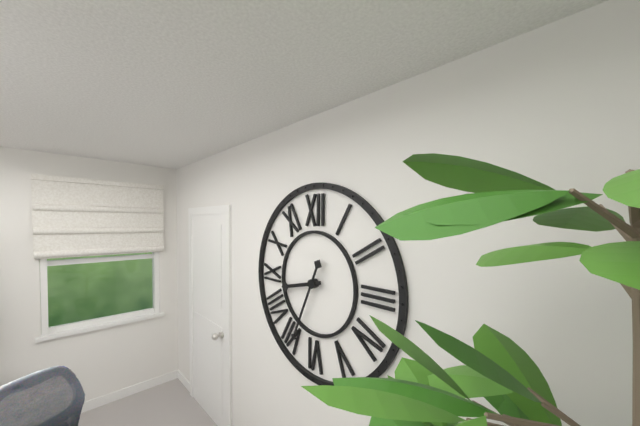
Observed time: 8:34
